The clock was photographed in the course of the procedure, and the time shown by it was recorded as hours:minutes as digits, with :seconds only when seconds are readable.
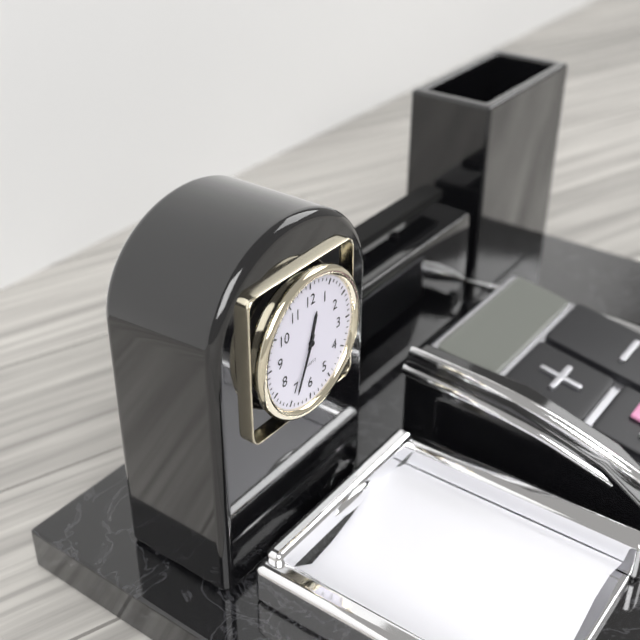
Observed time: 12:34
